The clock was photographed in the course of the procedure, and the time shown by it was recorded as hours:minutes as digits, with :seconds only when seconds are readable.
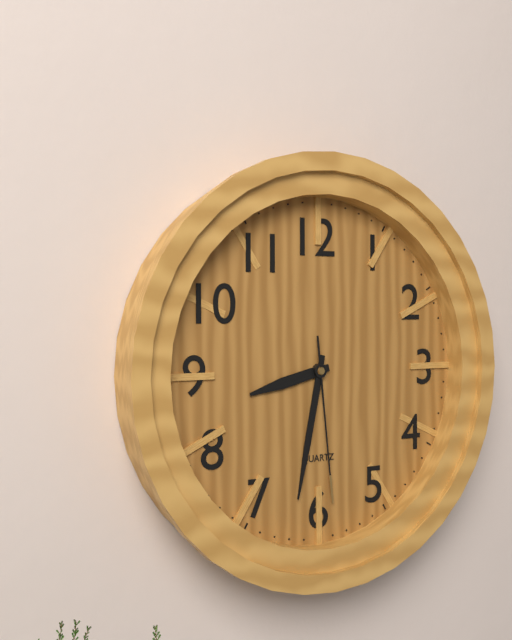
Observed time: 8:32:29
